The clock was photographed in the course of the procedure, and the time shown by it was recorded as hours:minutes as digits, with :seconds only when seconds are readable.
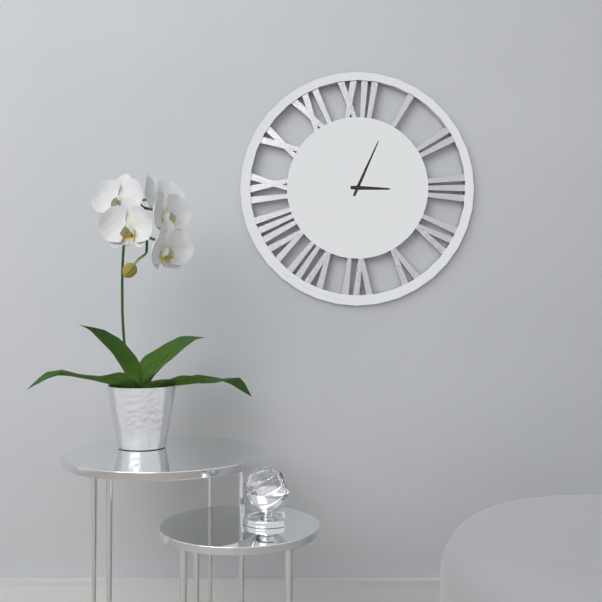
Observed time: 3:04
